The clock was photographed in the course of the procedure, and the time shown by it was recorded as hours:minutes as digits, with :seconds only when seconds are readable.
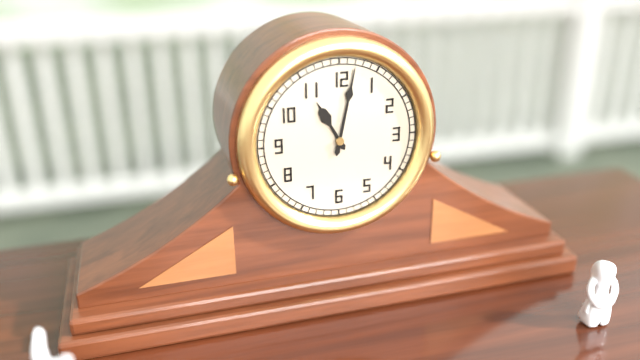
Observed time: 11:02
